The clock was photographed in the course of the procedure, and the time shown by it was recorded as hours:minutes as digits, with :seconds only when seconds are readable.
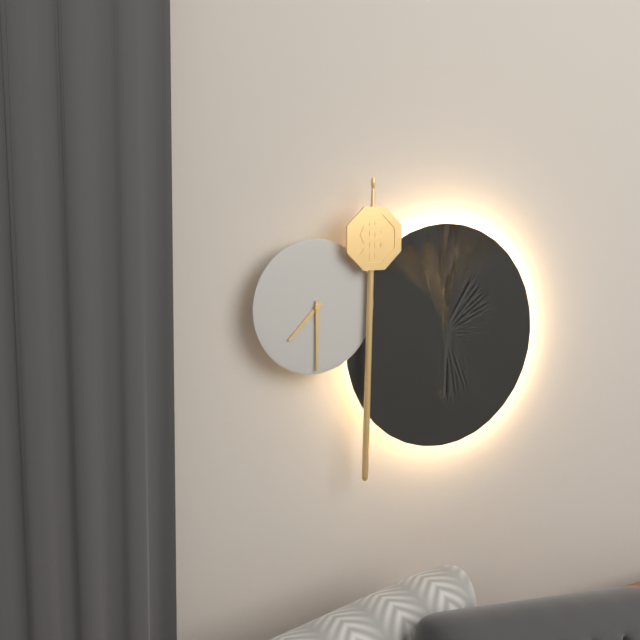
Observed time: 7:30
